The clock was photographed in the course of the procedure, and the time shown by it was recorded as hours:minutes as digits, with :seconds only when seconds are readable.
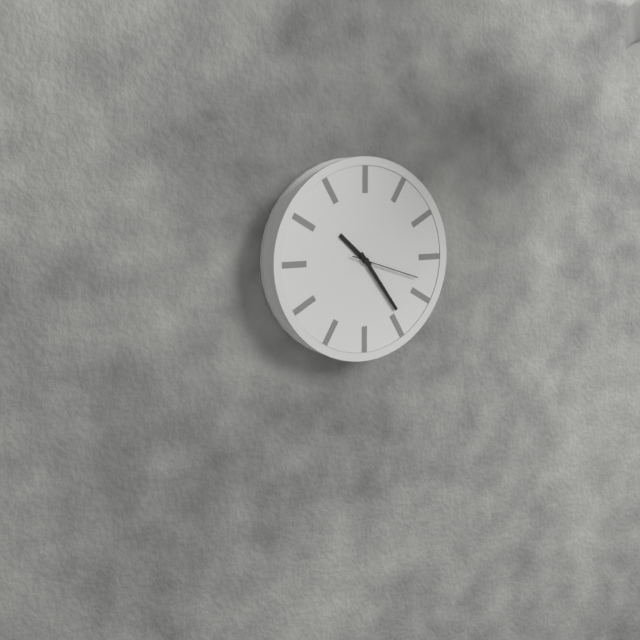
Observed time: 10:24:18
